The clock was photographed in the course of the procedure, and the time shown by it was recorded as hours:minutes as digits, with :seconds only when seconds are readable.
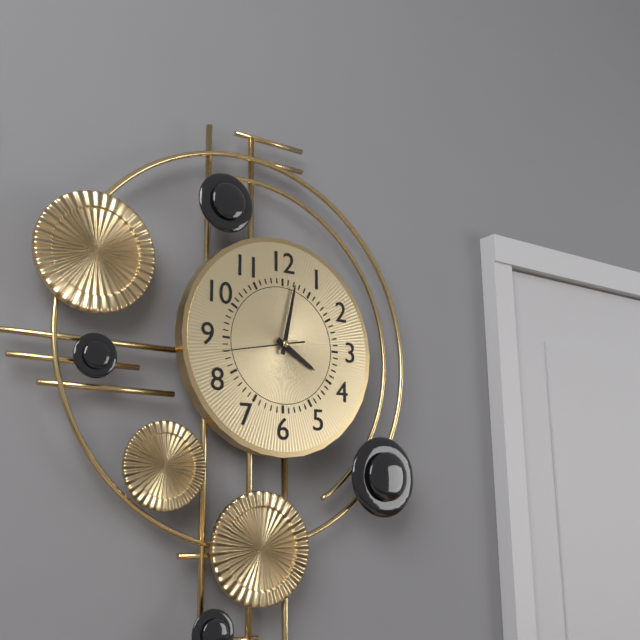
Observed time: 4:02:43
